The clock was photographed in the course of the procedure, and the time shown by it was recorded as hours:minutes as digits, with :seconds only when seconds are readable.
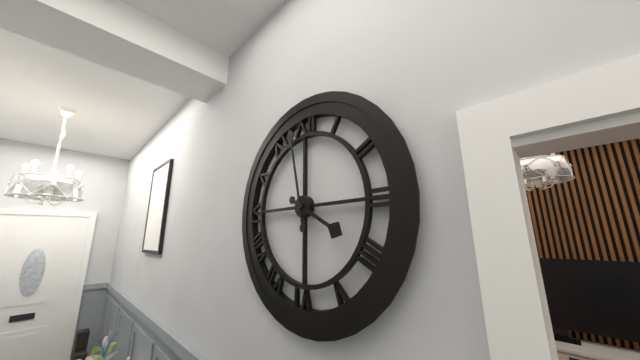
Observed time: 3:58
